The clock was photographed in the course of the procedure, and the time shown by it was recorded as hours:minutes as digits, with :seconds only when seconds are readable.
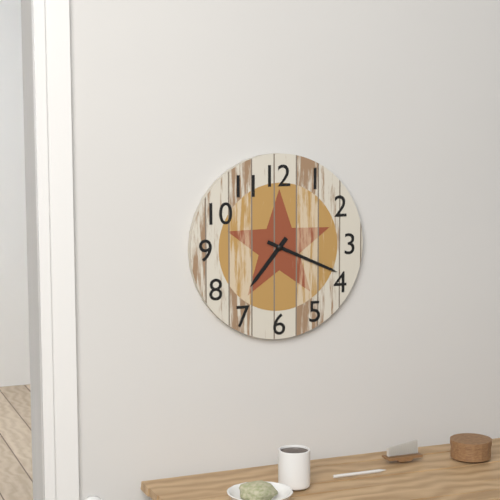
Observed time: 7:19
